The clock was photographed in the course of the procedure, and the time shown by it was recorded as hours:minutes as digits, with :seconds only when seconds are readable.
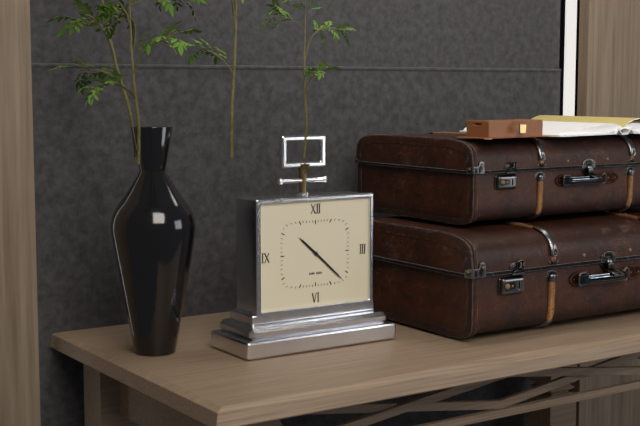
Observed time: 10:22
